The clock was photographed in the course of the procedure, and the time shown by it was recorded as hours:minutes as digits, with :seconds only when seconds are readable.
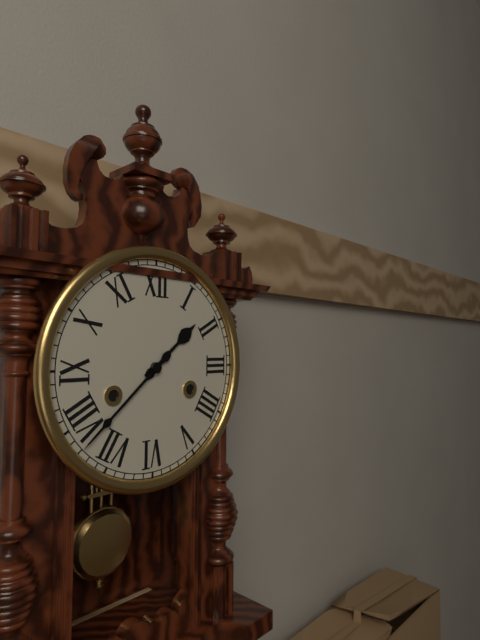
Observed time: 1:38
